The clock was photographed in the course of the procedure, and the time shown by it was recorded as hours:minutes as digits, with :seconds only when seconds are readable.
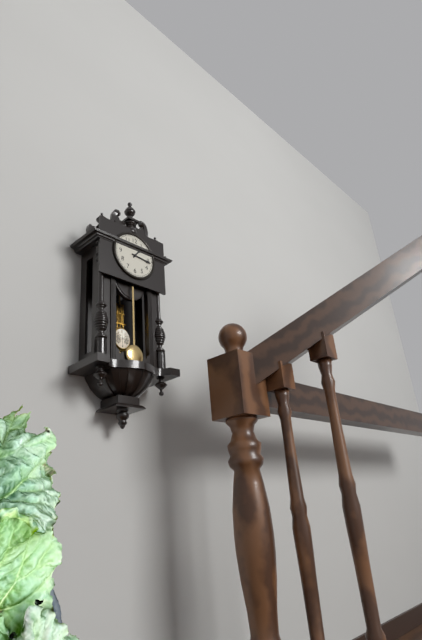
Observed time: 1:16
